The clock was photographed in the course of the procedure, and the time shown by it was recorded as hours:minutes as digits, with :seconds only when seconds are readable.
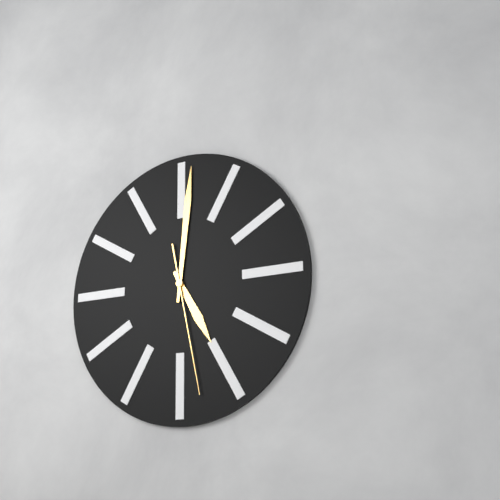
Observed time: 5:01:28
